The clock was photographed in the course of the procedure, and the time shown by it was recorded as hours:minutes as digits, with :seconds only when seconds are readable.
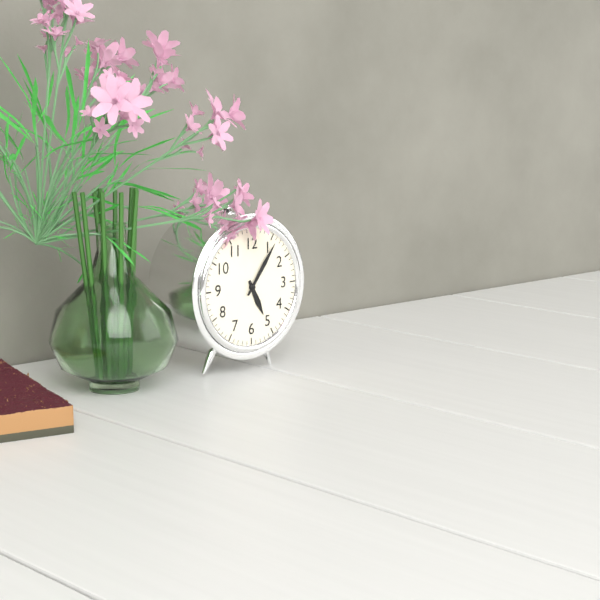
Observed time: 5:06
